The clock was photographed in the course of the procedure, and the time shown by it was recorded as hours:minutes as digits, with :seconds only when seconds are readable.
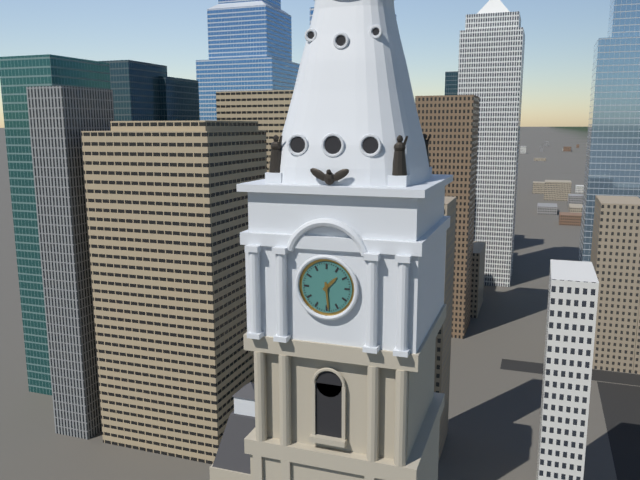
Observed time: 1:29
